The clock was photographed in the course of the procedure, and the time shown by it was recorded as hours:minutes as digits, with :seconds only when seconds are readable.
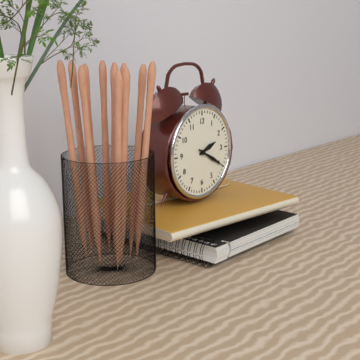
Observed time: 2:20
